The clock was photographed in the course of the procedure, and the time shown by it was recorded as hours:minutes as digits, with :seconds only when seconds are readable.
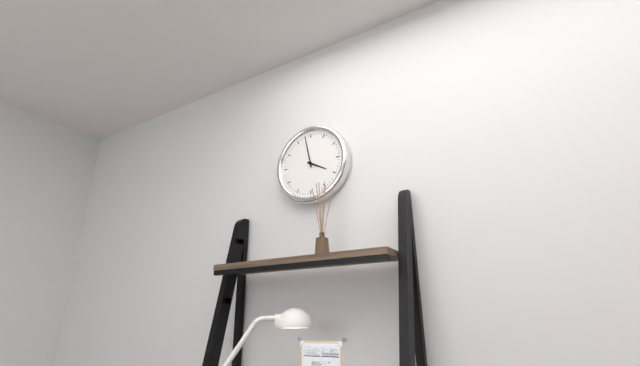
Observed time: 3:58
